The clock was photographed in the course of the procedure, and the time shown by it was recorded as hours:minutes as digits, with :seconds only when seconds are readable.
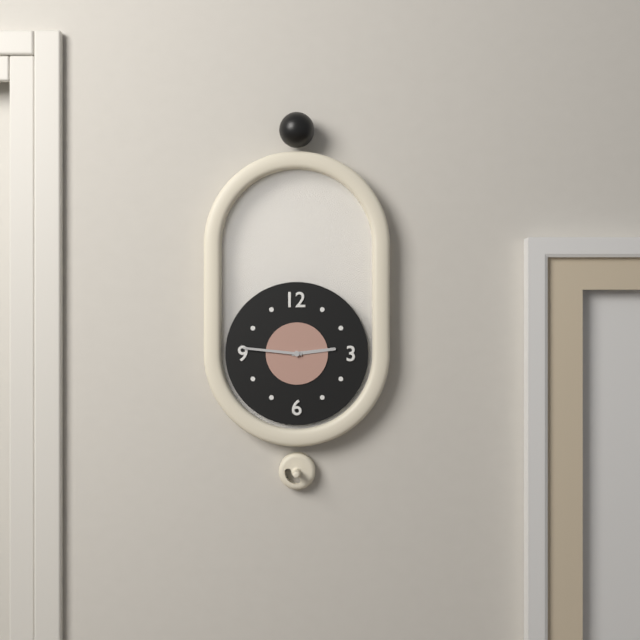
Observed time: 2:46
